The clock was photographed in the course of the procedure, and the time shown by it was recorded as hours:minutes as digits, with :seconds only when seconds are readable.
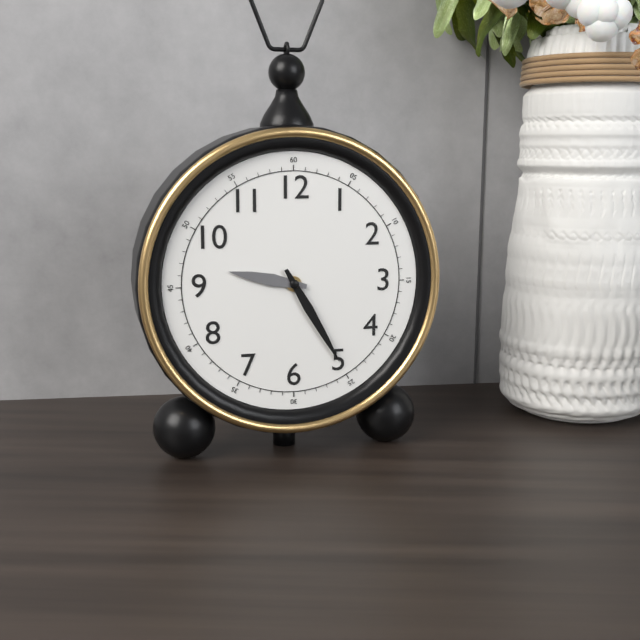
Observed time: 9:25
